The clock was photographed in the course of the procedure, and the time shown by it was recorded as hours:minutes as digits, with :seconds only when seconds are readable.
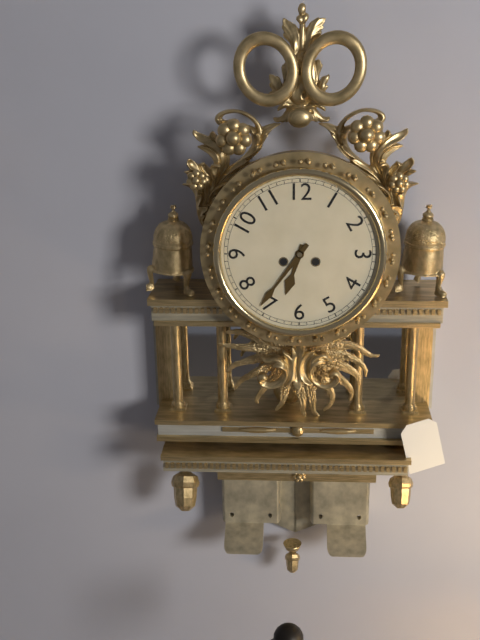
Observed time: 6:36
